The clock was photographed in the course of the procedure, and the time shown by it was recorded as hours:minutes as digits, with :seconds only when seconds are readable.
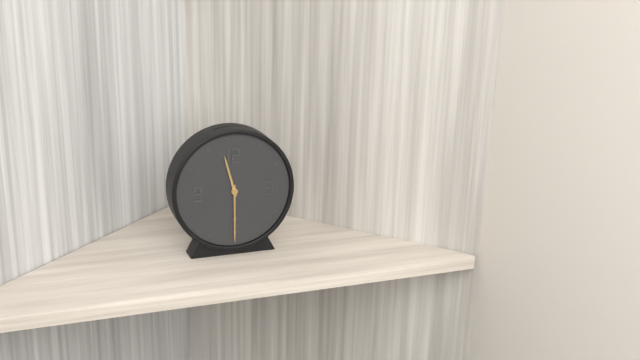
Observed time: 11:30
